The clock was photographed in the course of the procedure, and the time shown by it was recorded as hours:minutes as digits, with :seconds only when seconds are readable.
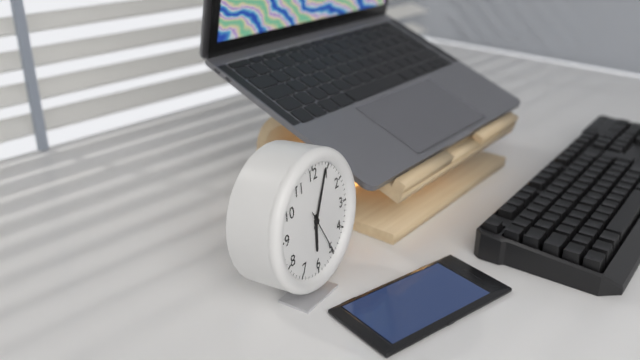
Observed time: 6:04
